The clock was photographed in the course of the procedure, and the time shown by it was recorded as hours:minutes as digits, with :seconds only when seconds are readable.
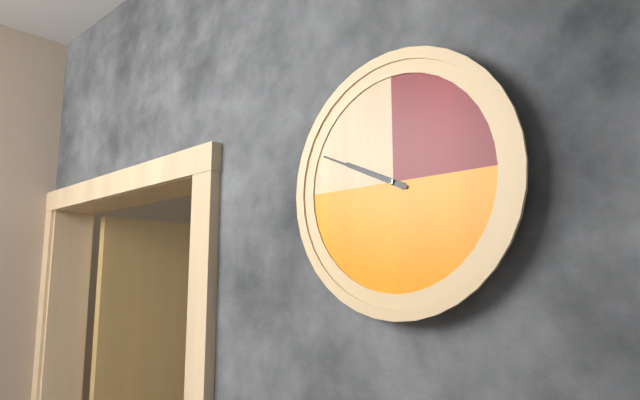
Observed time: 9:49
